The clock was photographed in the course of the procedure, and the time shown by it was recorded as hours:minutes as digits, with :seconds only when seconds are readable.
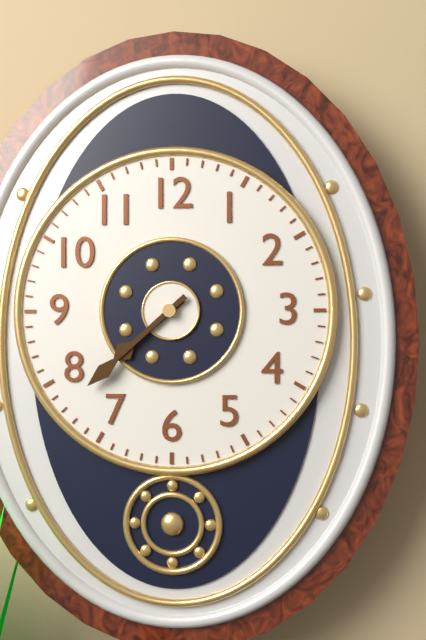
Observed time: 7:38
